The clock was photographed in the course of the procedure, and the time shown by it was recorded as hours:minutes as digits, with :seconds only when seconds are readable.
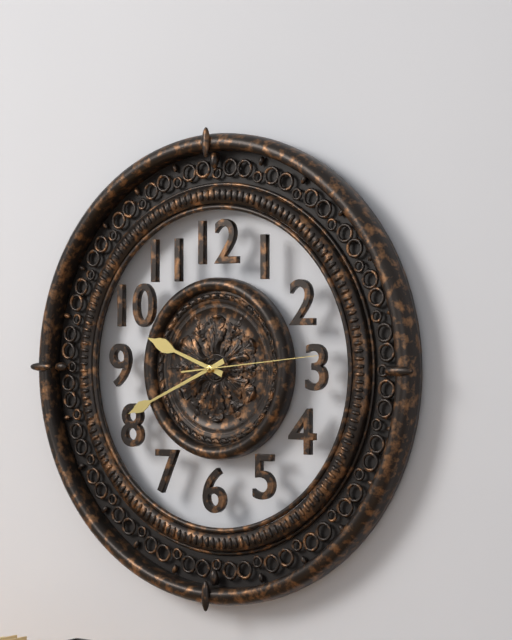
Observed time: 9:41:14
